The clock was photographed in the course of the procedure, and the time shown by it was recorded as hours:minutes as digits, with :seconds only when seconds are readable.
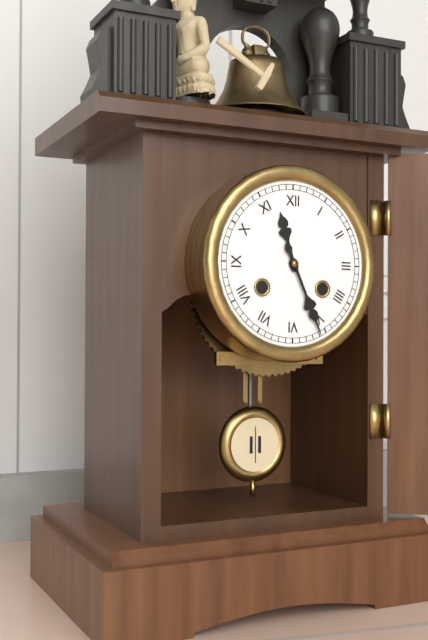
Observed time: 11:26
